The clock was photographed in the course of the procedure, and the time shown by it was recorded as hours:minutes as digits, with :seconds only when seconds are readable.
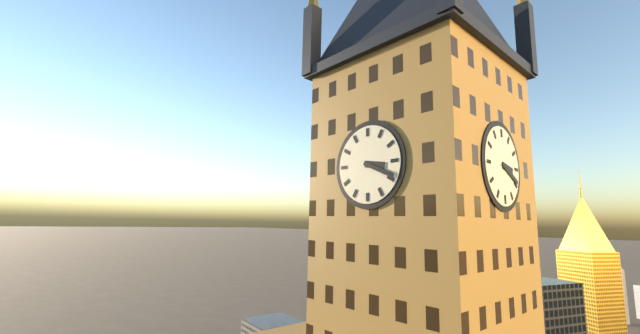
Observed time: 3:19
